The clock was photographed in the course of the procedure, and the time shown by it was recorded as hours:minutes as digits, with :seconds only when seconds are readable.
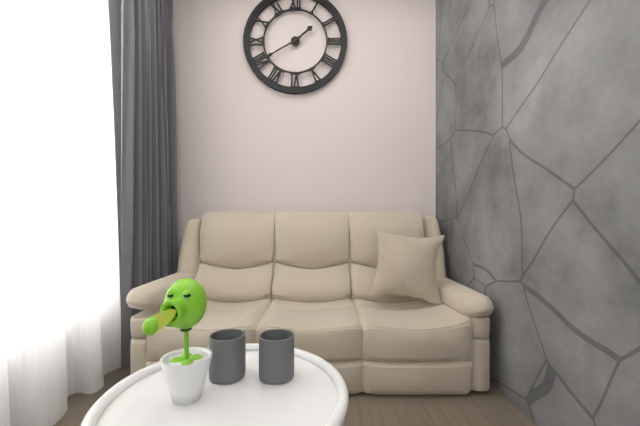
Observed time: 1:40
